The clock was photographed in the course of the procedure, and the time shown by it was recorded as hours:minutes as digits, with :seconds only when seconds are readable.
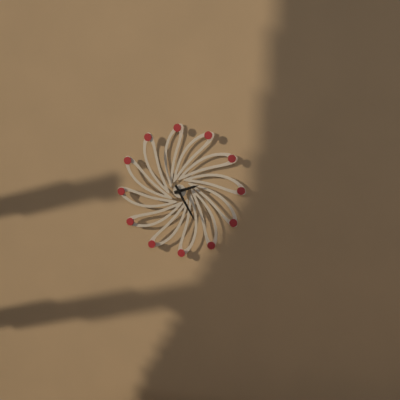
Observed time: 2:25
